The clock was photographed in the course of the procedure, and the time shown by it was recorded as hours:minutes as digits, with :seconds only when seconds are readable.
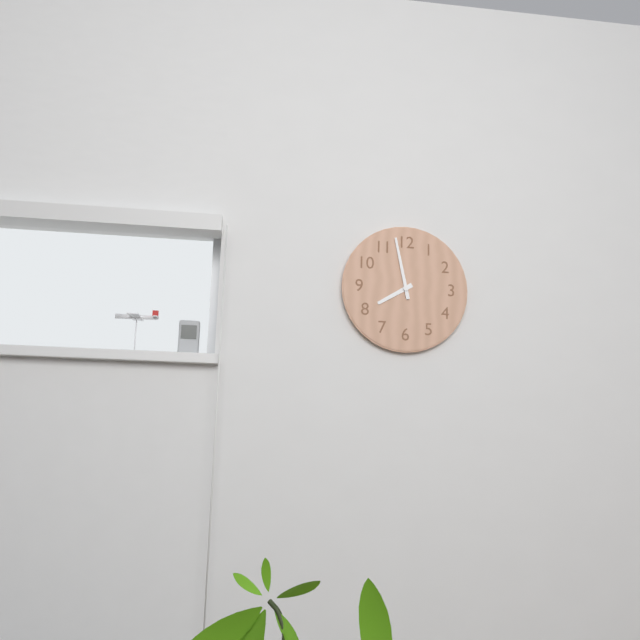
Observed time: 7:58
